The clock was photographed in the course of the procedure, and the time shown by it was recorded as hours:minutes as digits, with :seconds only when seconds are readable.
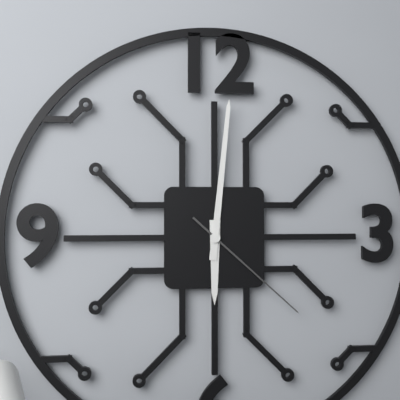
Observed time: 6:01:22
